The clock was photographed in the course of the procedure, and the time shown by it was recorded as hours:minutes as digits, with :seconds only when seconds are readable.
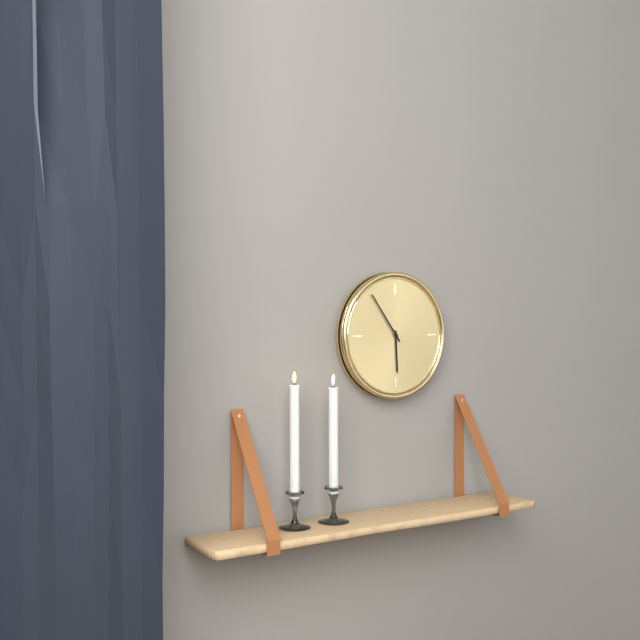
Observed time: 5:54
